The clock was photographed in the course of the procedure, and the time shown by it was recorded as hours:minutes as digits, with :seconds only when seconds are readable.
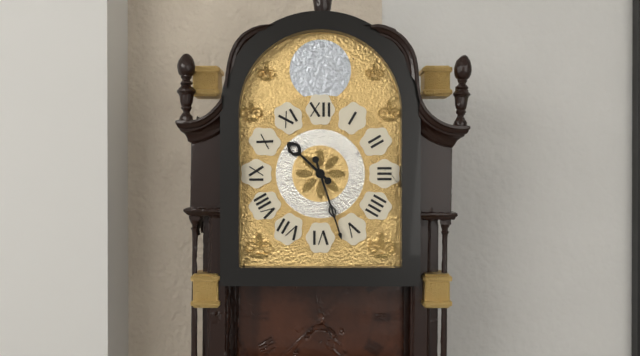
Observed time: 10:27
